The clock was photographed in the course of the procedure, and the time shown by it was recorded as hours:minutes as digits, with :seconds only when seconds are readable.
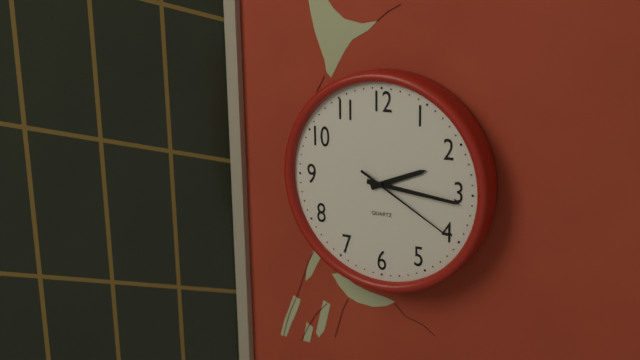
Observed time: 2:16:20
